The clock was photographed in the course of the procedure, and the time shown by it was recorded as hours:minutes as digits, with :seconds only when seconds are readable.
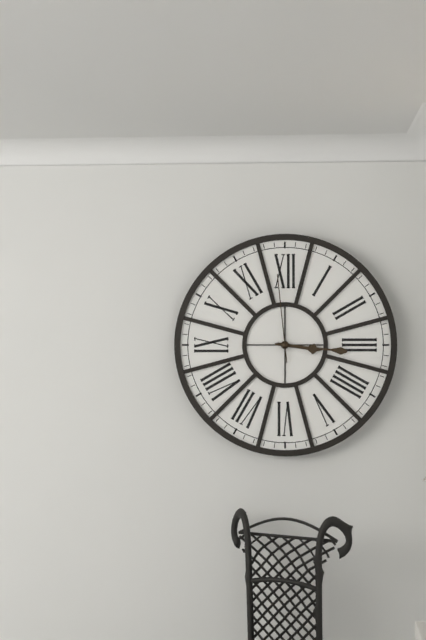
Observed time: 3:16:59
